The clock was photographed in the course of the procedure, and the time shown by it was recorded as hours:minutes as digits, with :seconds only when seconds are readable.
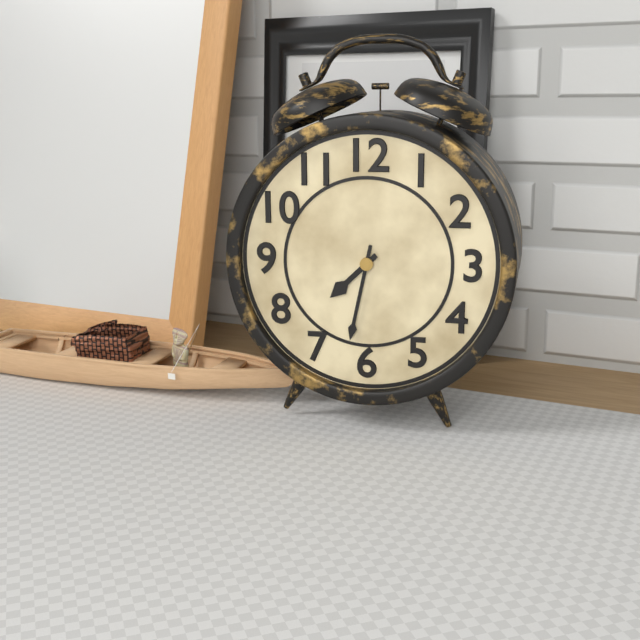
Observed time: 7:32
